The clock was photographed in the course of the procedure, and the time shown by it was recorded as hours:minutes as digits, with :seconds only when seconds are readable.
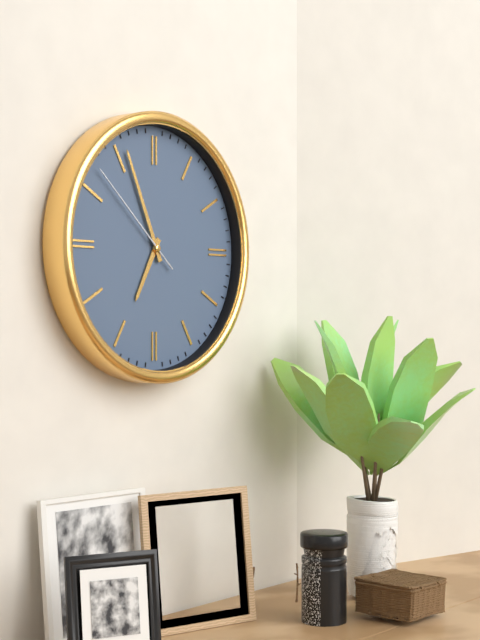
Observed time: 6:56:52
